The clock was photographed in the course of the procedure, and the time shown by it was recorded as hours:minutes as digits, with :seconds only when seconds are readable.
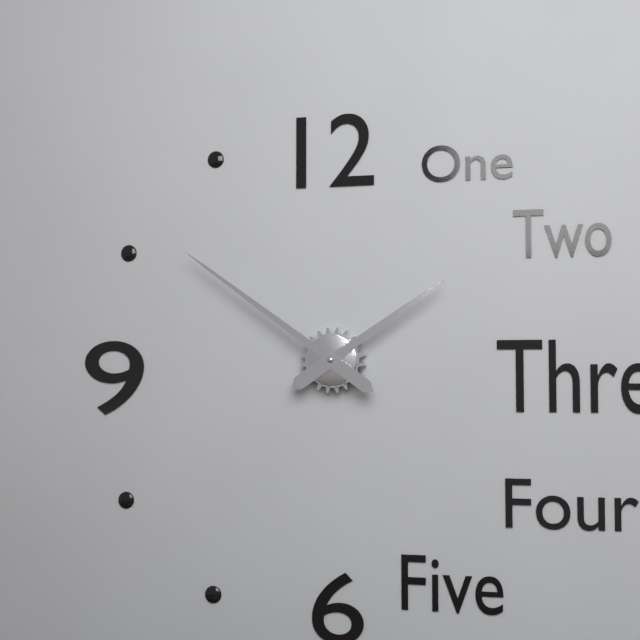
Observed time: 1:51
